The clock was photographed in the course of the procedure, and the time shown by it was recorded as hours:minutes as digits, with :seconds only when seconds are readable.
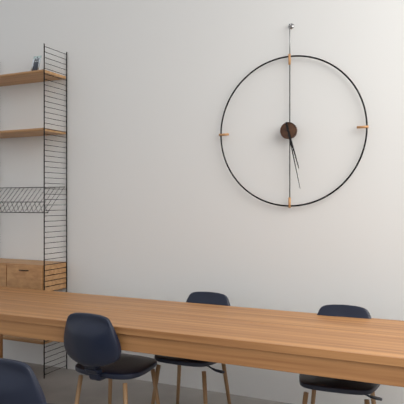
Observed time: 5:28
